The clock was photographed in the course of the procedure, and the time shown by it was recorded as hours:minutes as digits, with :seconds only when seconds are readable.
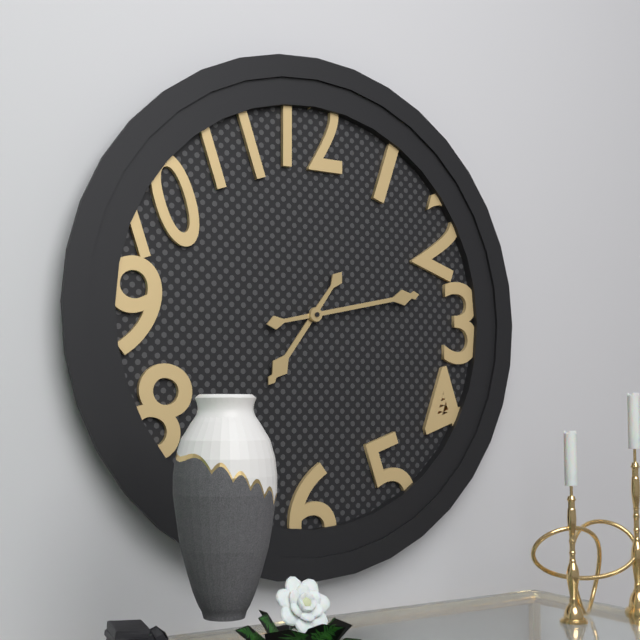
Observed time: 7:13
